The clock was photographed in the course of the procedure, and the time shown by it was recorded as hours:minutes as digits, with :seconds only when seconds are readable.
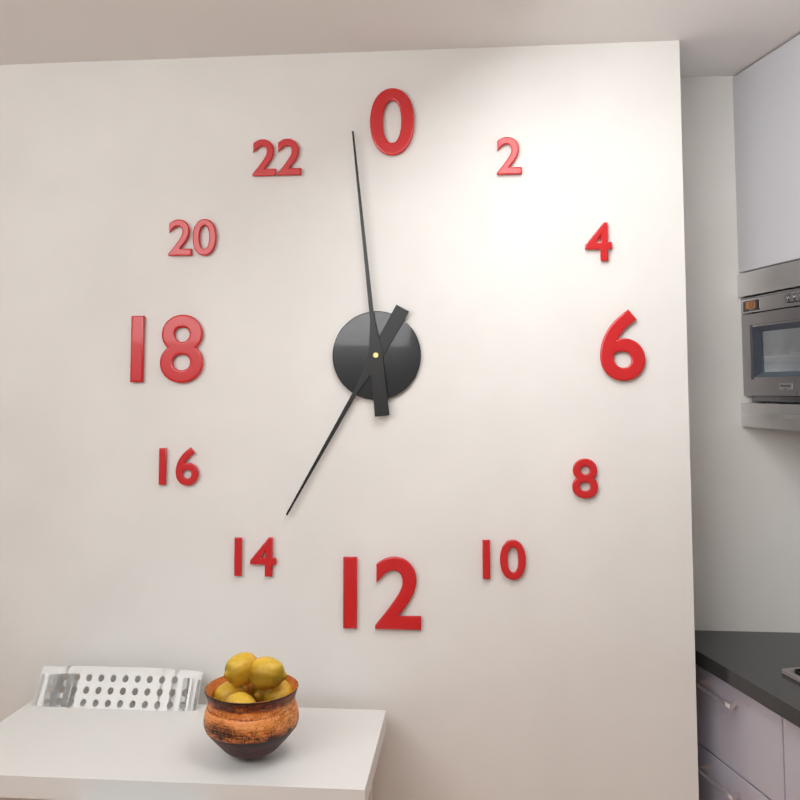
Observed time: 6:59
